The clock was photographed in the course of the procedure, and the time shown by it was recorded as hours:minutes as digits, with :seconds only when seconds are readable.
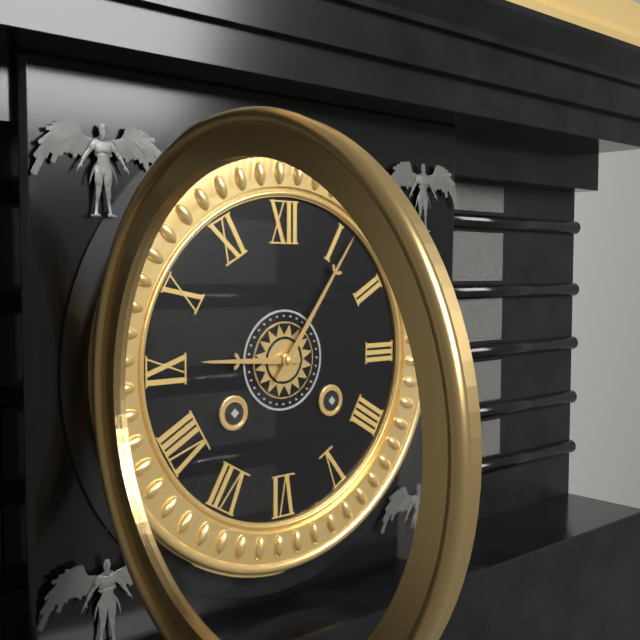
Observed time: 9:06
